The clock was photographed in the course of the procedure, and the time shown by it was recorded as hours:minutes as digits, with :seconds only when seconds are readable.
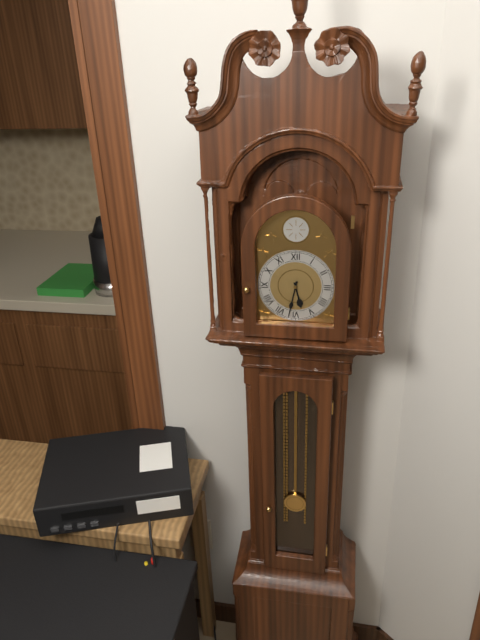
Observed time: 5:32
